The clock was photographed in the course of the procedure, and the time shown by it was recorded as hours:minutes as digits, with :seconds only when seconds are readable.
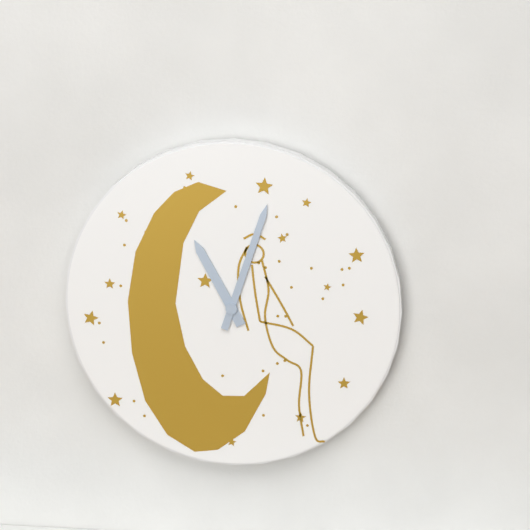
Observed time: 11:03
